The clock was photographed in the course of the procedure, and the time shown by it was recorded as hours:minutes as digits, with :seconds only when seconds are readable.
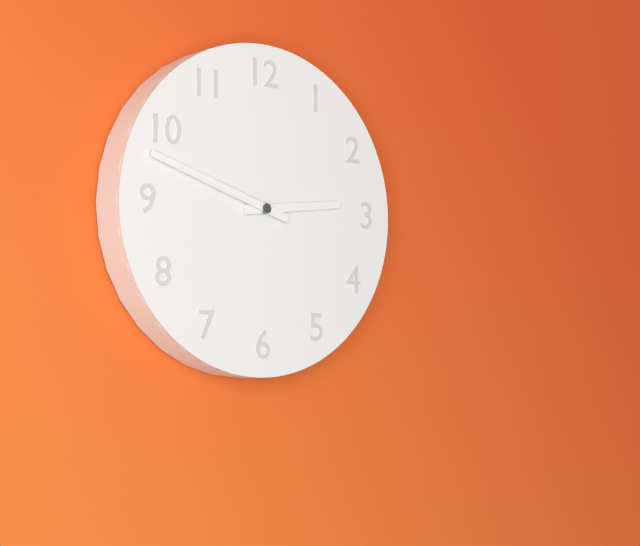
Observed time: 2:48
